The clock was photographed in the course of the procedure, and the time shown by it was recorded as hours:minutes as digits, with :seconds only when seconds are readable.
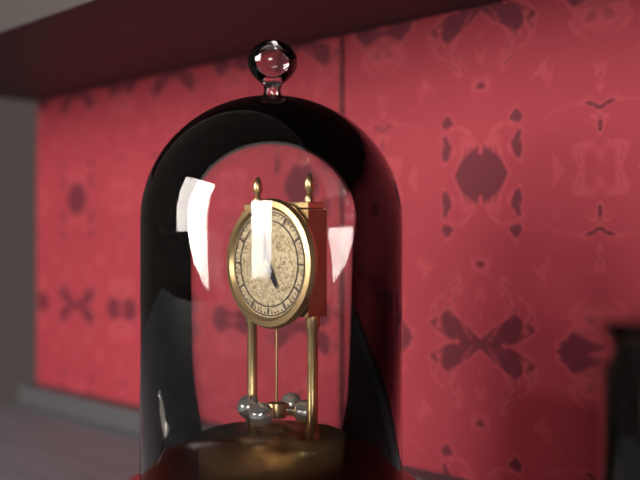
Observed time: 4:59
